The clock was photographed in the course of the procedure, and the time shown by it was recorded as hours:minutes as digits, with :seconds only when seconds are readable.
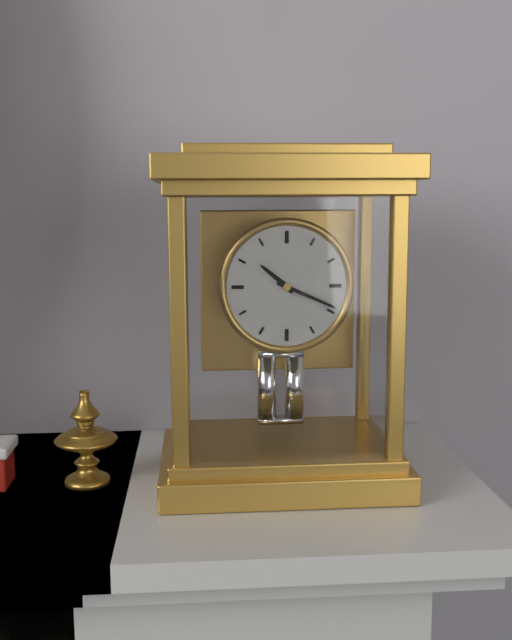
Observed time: 10:19
